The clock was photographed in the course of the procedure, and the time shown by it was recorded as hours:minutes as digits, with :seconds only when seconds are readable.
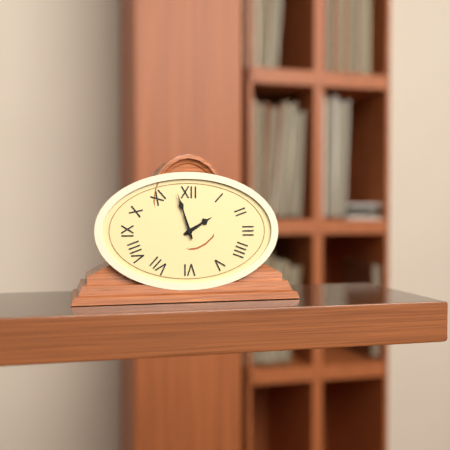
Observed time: 1:57
